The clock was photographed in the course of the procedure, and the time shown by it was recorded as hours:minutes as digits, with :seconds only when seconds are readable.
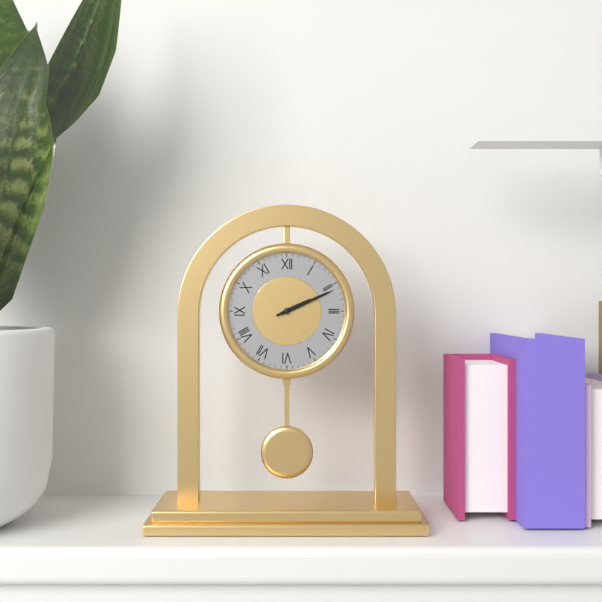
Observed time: 2:11
